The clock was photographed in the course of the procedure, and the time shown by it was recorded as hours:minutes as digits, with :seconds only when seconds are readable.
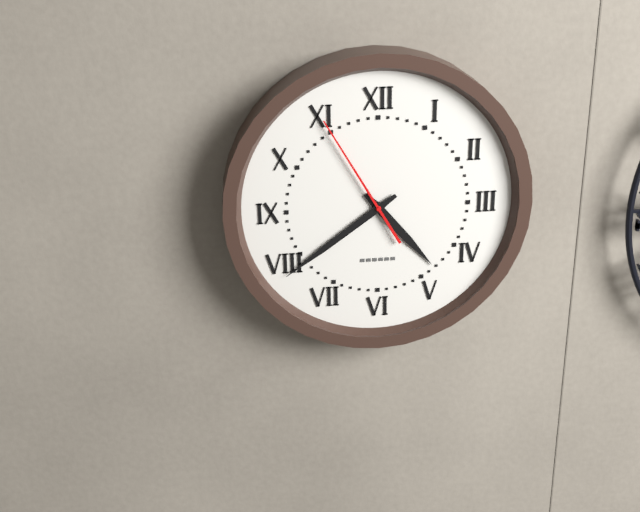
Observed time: 4:39:55
